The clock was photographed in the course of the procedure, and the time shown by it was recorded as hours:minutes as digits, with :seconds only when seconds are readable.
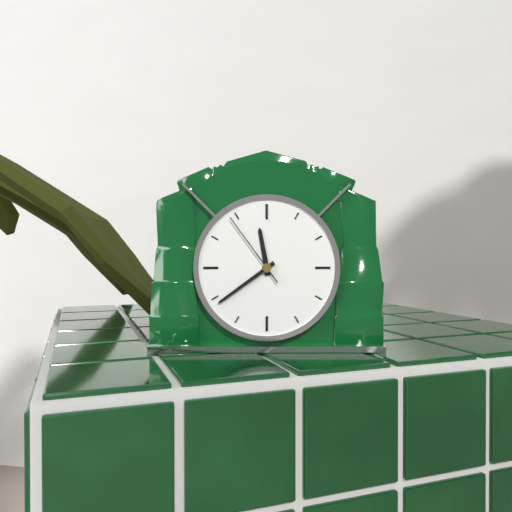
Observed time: 11:39:54
